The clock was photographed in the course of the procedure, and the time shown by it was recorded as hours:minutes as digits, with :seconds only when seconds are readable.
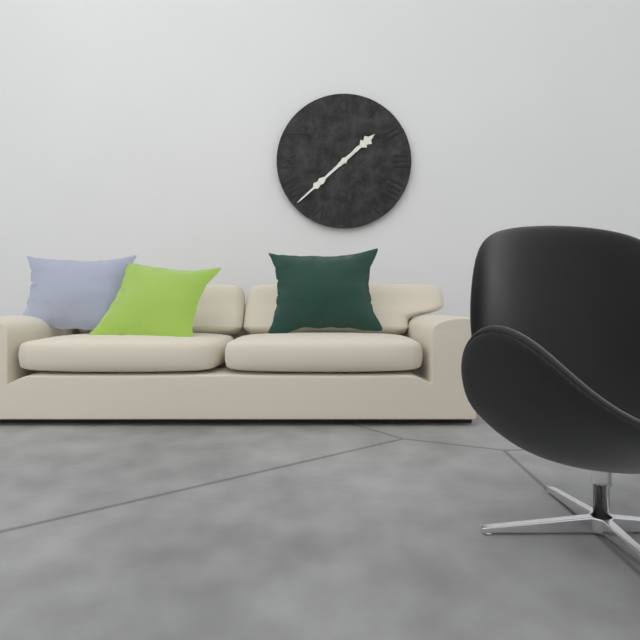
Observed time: 1:38
